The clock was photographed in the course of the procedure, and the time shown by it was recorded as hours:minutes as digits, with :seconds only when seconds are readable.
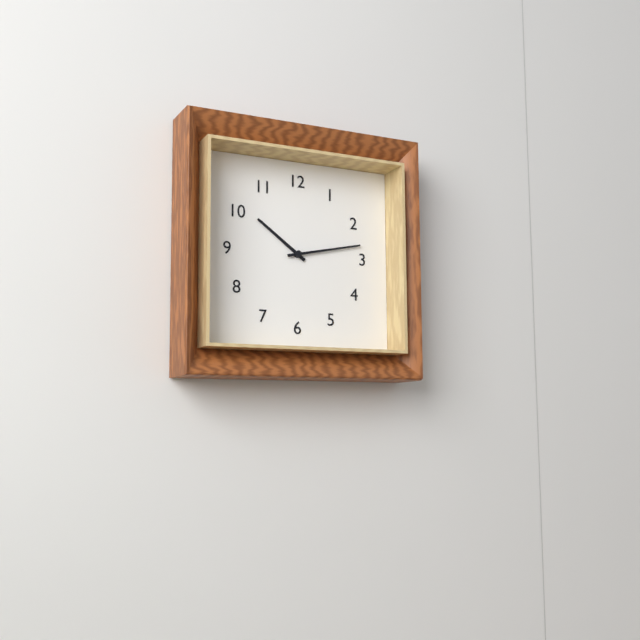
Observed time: 10:13
